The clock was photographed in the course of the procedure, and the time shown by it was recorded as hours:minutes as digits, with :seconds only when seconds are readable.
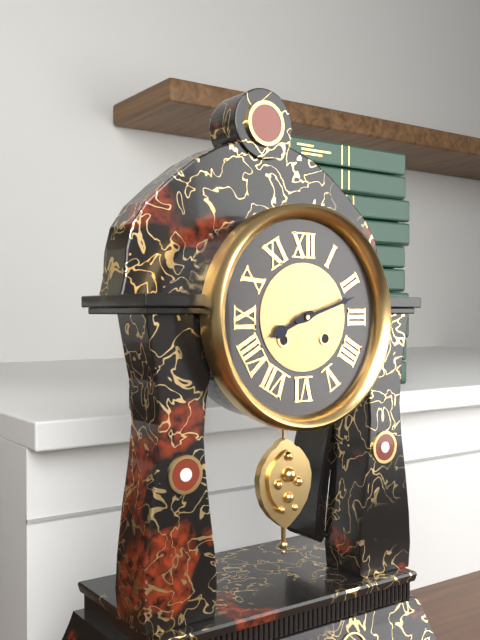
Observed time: 8:12
